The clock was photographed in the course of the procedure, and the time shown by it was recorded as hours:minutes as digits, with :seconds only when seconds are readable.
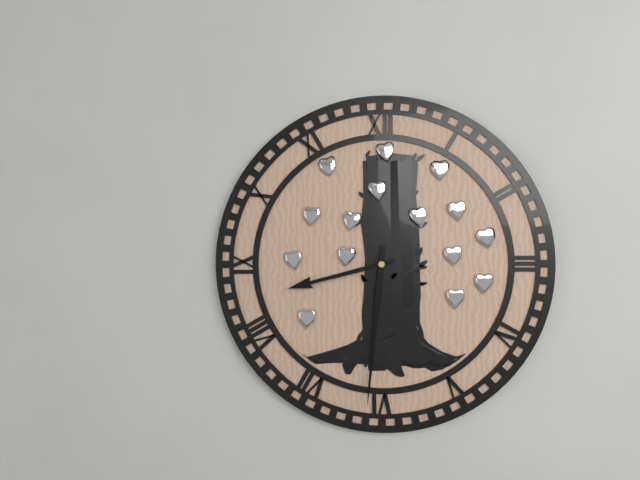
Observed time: 8:31
